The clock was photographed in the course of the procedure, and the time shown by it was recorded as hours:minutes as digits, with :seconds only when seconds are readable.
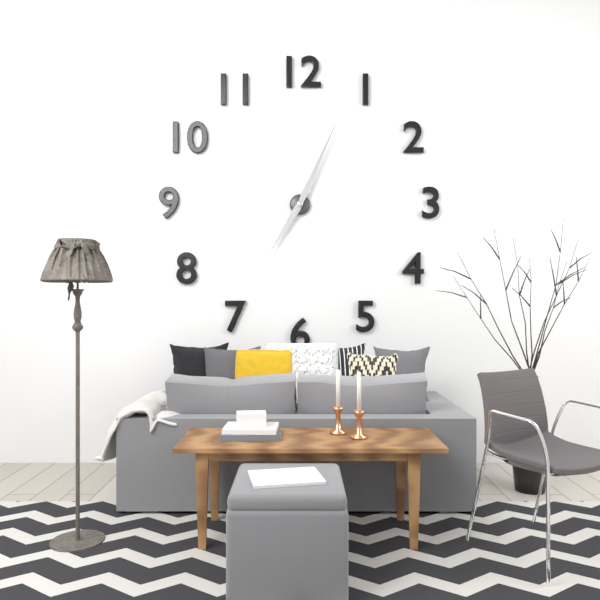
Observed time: 7:04
